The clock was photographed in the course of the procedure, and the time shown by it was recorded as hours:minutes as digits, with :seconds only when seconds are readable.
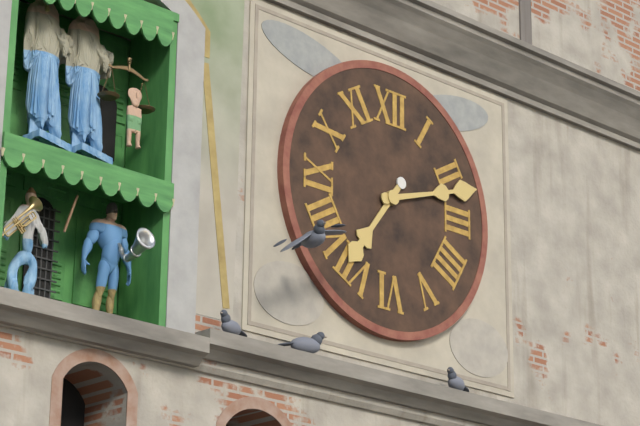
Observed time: 7:12
